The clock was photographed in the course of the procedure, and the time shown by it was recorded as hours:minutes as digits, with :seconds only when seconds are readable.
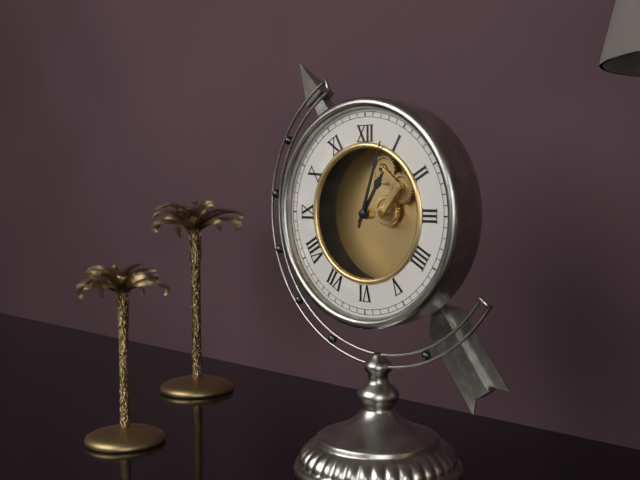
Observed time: 1:03
